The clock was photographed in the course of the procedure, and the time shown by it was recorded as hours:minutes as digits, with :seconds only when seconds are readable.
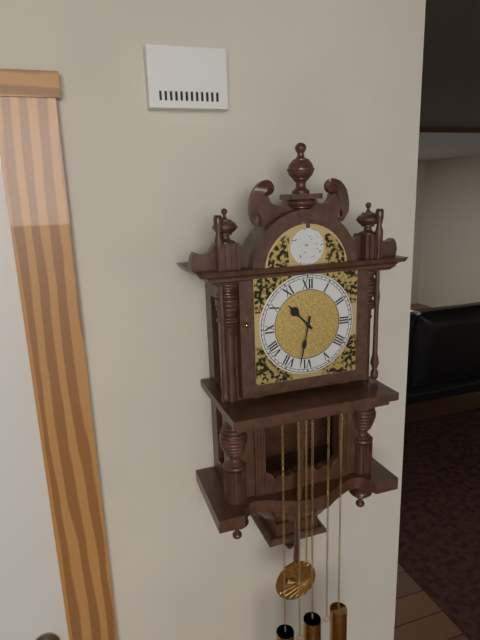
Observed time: 10:32
